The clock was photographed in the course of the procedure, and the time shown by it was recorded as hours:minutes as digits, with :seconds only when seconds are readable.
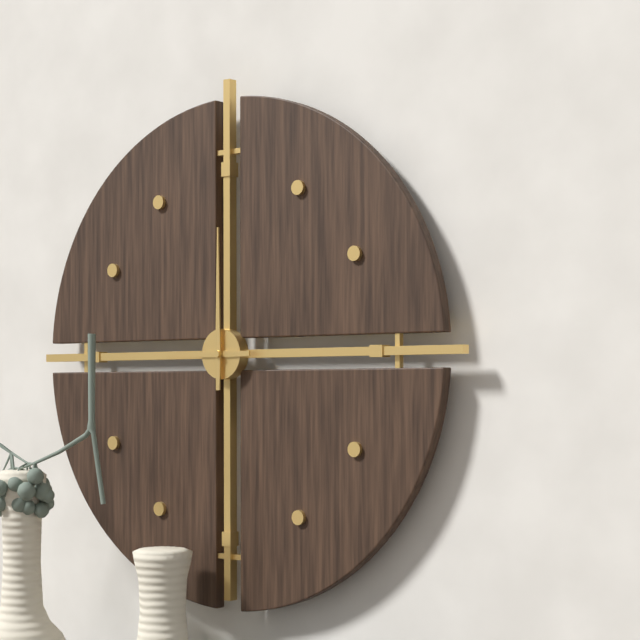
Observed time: 9:00
